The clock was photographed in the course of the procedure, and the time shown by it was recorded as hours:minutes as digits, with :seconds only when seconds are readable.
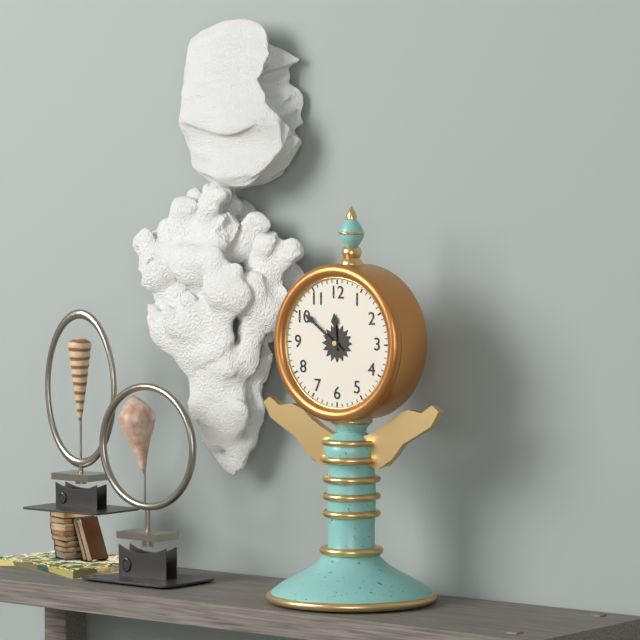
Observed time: 11:51
